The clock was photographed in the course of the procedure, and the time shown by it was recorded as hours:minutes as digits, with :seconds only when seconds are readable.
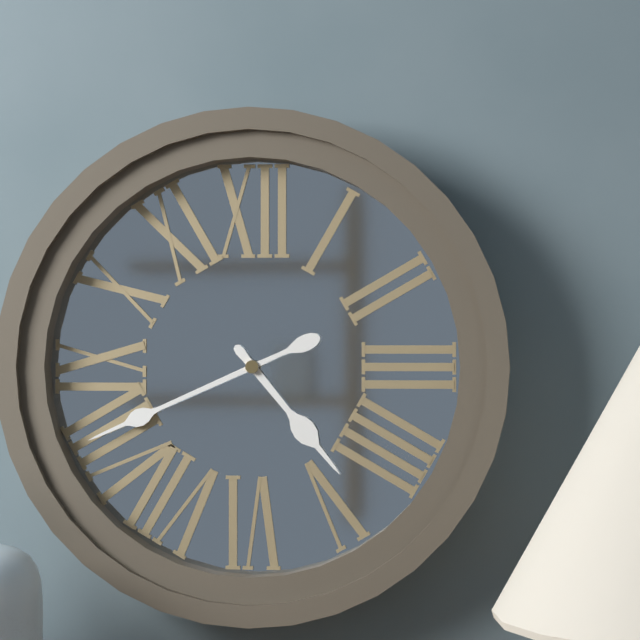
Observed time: 4:41
